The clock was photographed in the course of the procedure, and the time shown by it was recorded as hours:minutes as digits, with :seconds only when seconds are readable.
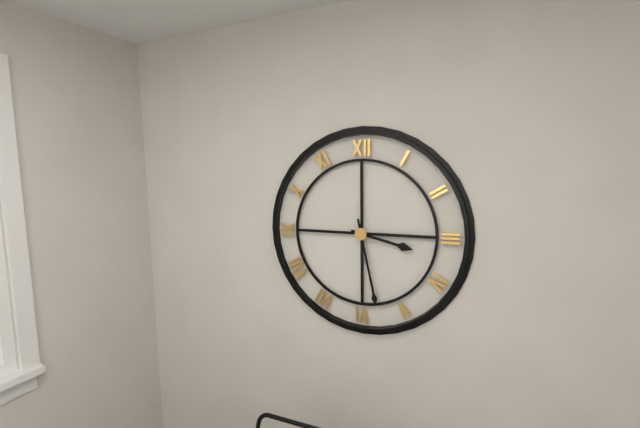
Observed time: 3:28
